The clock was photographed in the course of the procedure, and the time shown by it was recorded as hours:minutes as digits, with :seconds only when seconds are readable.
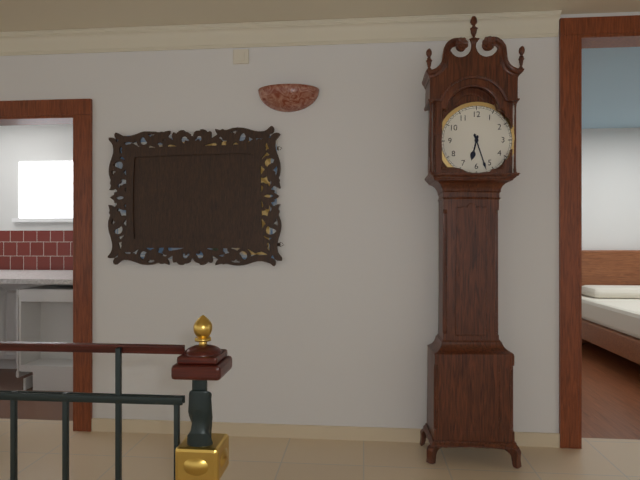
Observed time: 6:27
